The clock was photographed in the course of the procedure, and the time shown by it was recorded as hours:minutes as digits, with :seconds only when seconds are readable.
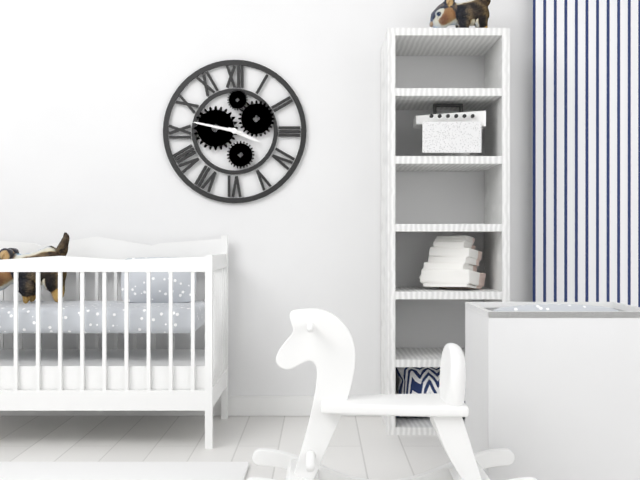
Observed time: 3:47
